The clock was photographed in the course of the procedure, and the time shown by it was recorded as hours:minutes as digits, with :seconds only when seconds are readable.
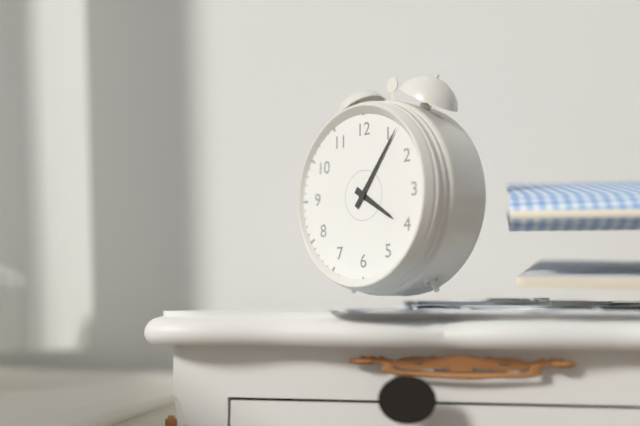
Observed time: 4:06
